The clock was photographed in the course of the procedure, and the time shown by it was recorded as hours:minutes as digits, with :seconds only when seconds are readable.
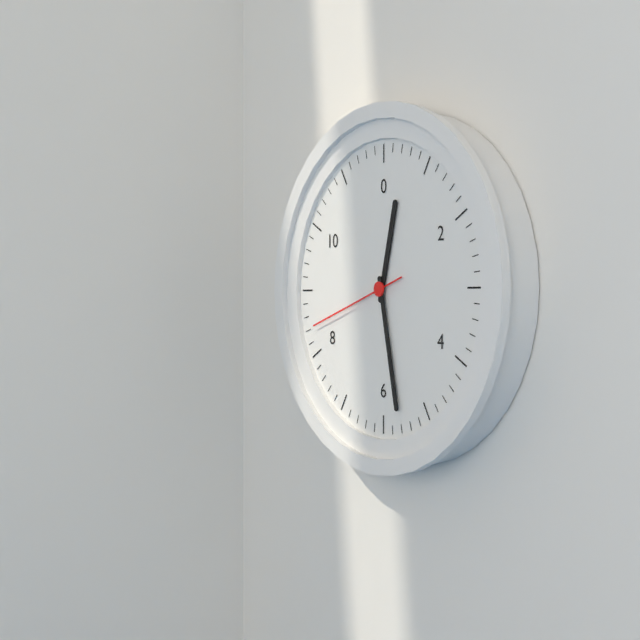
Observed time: 12:28:42
